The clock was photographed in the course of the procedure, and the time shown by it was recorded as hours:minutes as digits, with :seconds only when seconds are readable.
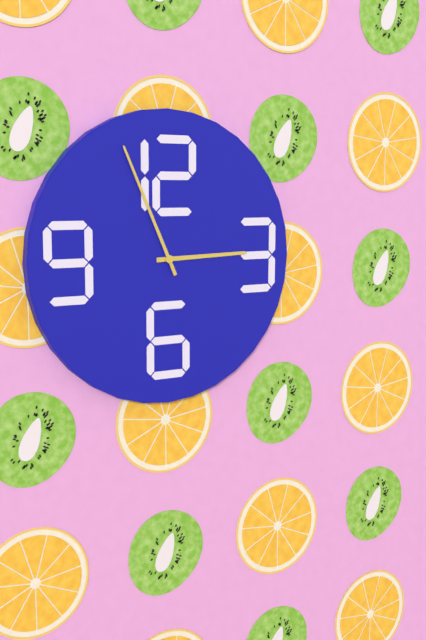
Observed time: 2:56
